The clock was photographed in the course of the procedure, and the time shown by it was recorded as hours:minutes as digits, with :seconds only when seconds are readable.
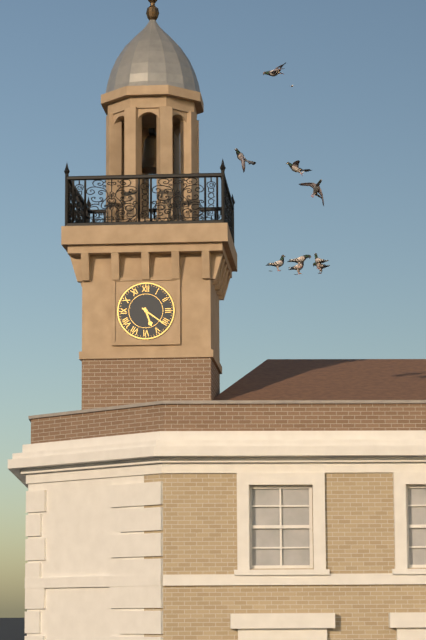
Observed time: 5:21
